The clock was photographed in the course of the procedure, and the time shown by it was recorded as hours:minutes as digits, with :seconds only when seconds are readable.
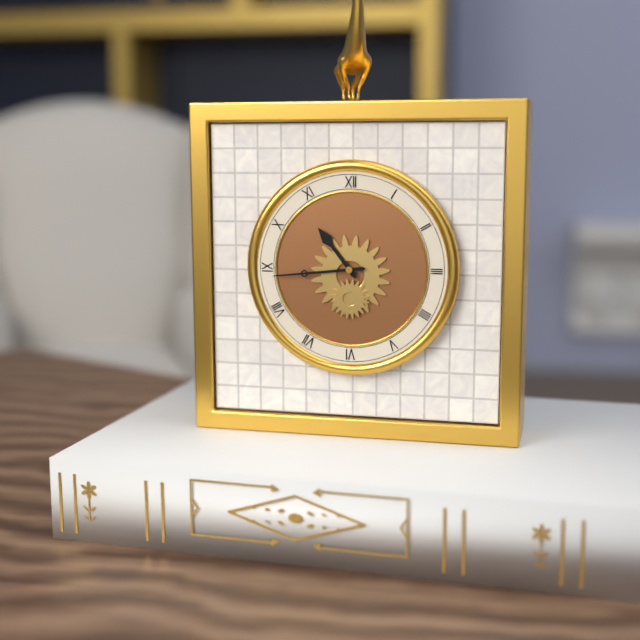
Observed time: 10:44
